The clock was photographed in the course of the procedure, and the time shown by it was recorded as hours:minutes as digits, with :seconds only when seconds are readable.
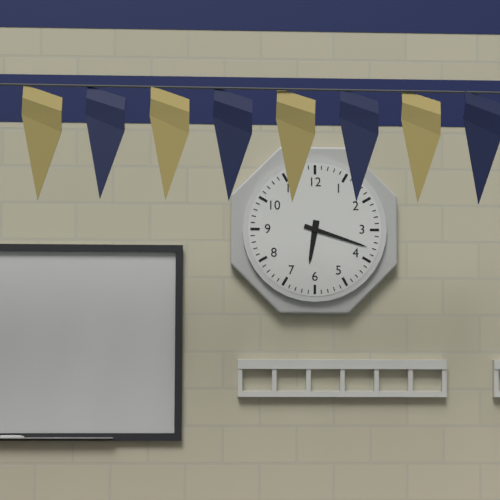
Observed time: 6:18
